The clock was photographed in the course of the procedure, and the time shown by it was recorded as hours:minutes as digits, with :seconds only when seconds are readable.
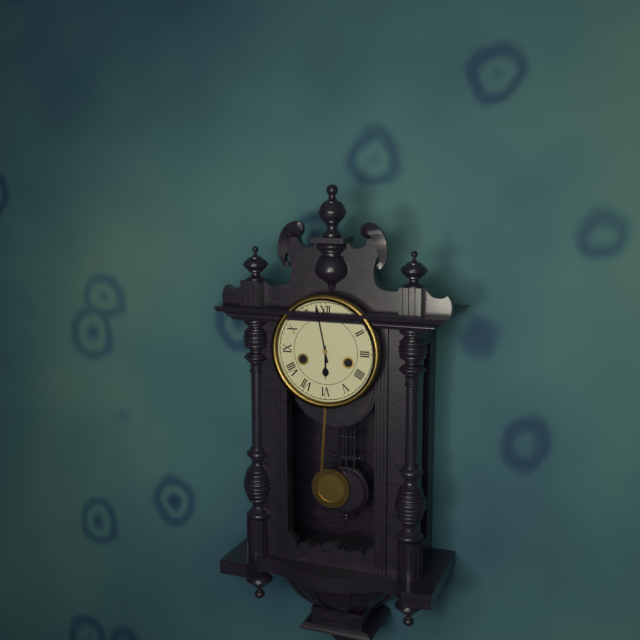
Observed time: 5:58
